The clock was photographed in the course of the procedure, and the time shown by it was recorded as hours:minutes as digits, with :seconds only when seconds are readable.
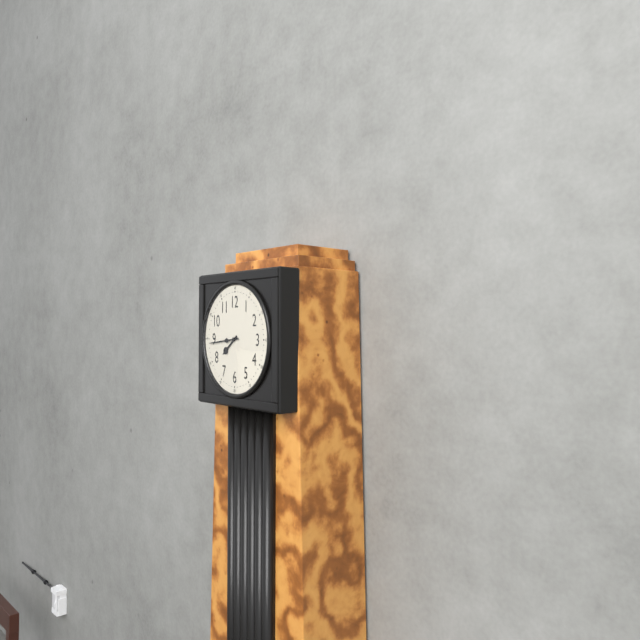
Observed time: 7:44
